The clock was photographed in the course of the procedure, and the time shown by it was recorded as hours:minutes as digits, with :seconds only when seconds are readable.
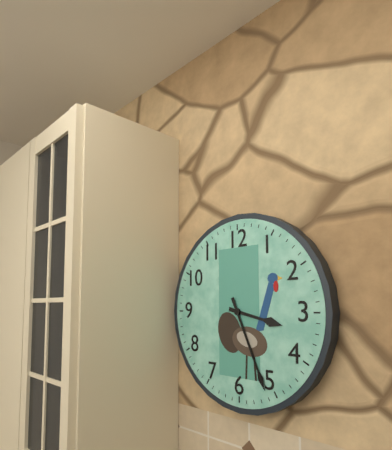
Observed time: 3:26
